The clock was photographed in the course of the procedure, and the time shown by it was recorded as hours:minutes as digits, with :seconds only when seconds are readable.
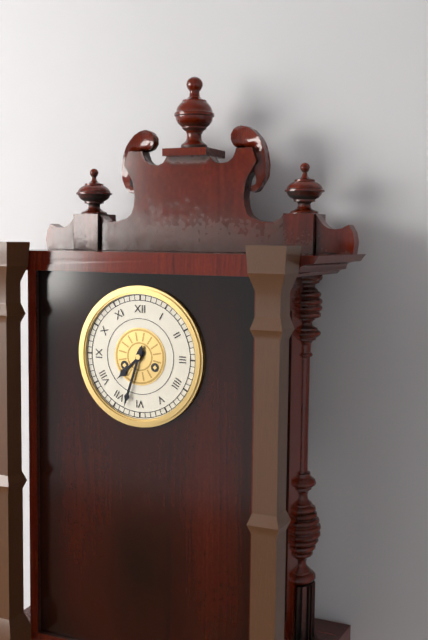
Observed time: 7:33
